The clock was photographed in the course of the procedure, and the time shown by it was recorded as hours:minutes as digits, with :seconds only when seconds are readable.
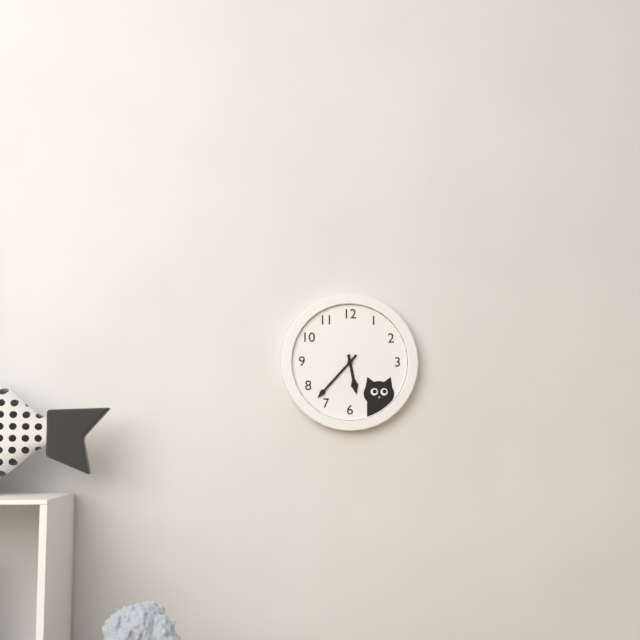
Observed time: 5:37
